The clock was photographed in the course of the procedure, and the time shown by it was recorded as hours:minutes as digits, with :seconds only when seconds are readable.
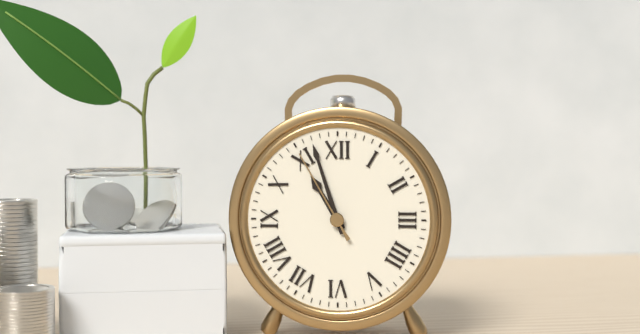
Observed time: 10:57:55
